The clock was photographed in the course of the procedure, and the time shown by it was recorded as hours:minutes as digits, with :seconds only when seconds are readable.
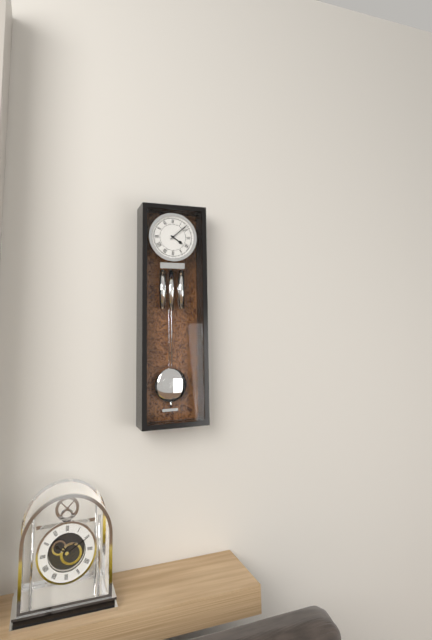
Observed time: 4:08
